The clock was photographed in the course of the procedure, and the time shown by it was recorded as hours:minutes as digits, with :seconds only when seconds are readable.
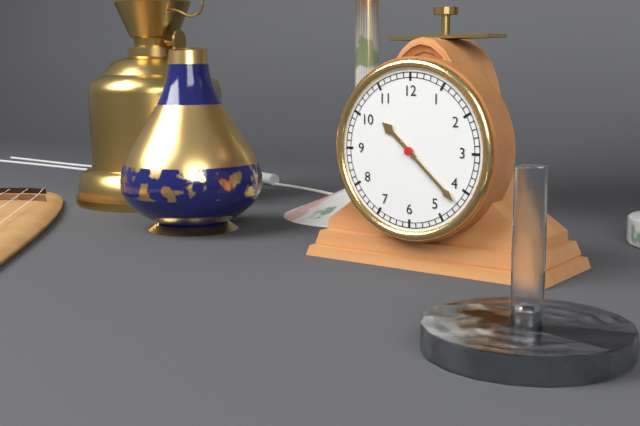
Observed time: 10:22
